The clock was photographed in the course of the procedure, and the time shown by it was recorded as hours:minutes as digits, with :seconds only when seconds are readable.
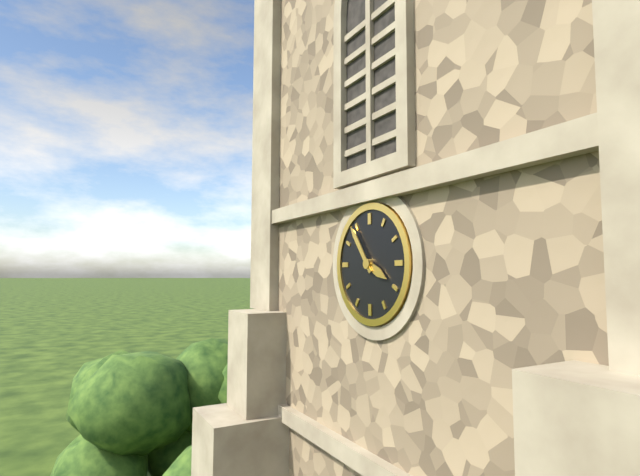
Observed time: 3:54
